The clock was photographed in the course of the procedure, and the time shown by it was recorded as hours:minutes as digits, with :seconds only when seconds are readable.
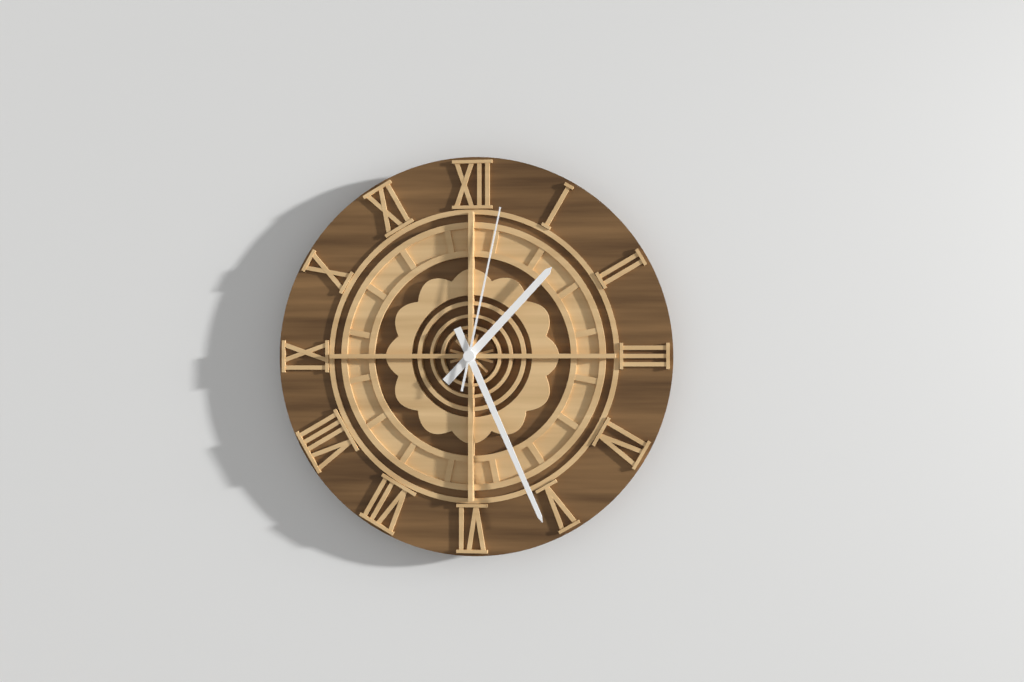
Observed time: 1:26:02
